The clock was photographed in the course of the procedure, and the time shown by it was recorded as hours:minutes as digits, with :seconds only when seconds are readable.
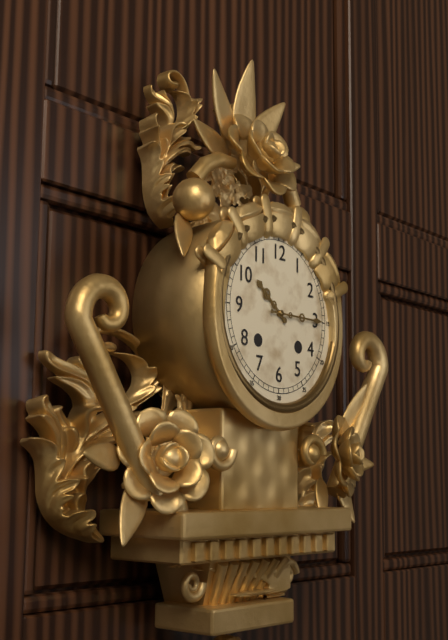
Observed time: 10:15
